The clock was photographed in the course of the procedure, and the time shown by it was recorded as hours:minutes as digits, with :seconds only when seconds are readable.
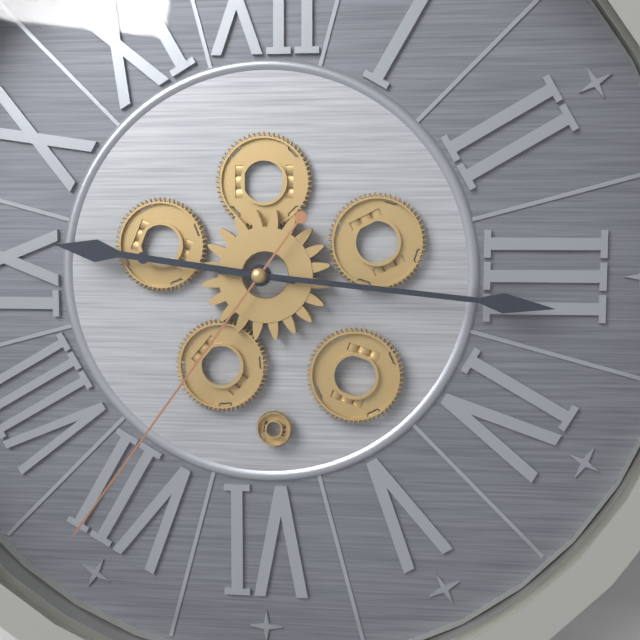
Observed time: 9:16:36
